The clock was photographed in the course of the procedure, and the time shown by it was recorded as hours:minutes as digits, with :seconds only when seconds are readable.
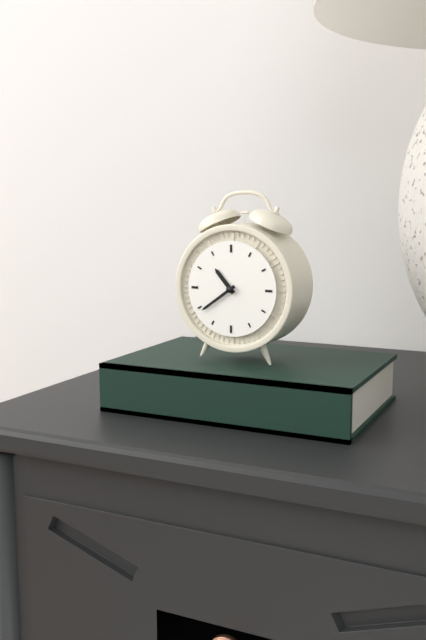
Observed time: 10:39
